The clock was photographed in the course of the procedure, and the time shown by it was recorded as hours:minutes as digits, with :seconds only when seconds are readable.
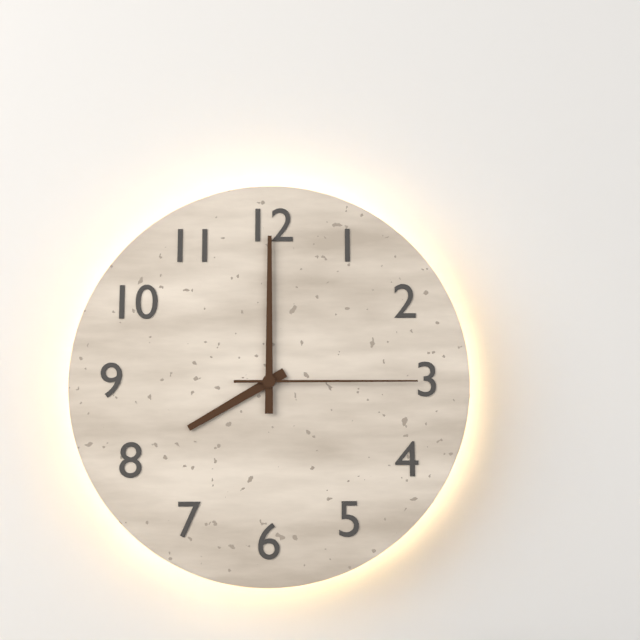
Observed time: 8:00:15
